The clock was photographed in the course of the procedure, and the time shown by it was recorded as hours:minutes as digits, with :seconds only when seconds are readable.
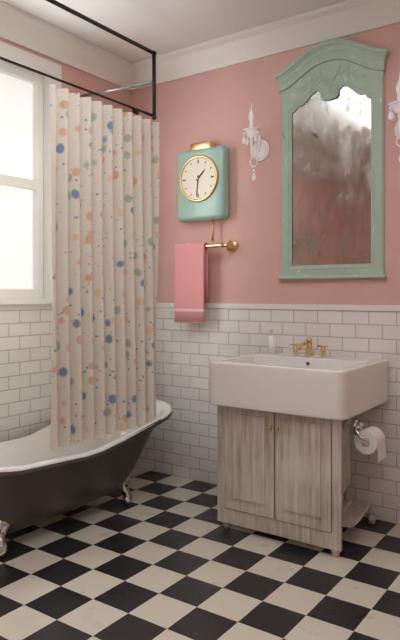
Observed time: 1:31
